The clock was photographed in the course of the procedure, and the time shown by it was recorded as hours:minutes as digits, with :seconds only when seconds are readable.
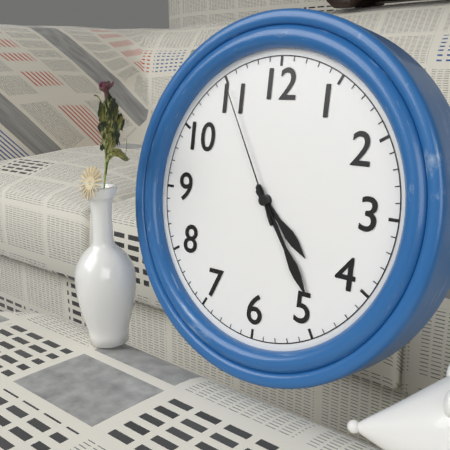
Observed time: 4:24:55
